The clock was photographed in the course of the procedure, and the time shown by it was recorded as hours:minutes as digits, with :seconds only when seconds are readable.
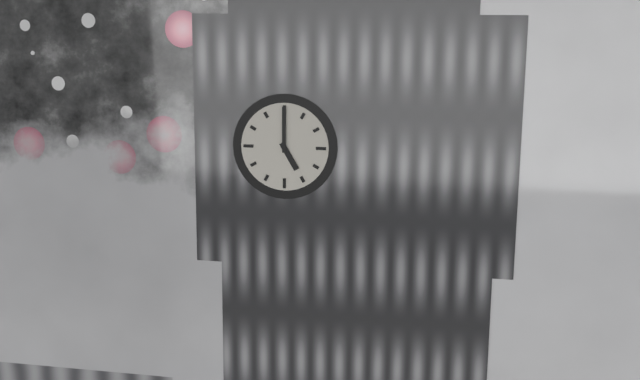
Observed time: 5:00
